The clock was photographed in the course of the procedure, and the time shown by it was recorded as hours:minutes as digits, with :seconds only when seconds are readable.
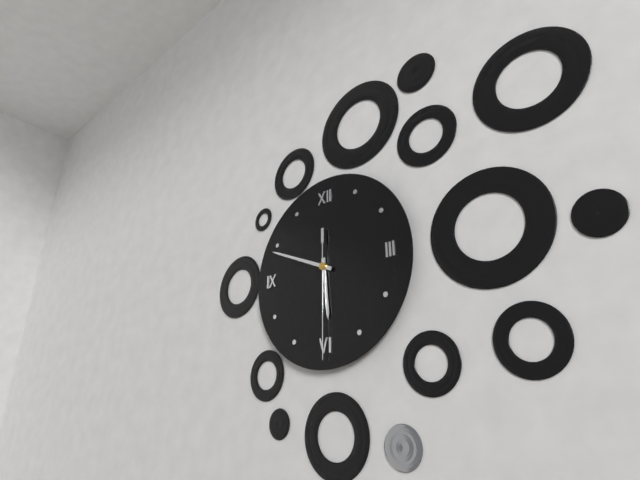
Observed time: 5:49:30
